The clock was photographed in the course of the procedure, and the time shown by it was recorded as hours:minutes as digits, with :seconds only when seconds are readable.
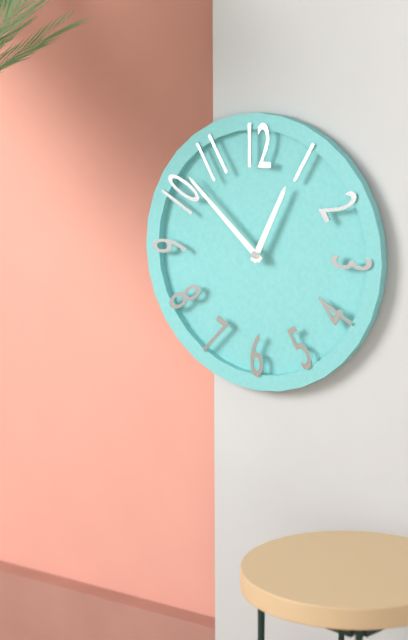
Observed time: 12:52
